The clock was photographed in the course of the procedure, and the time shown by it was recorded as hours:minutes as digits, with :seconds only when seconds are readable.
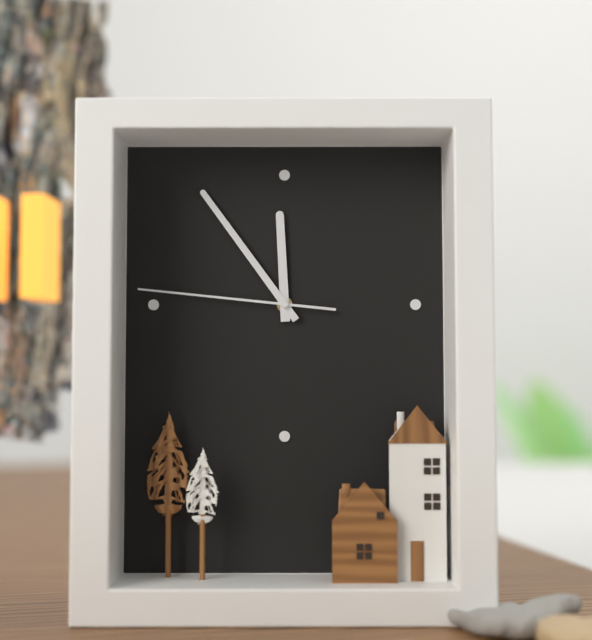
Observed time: 11:54:46
